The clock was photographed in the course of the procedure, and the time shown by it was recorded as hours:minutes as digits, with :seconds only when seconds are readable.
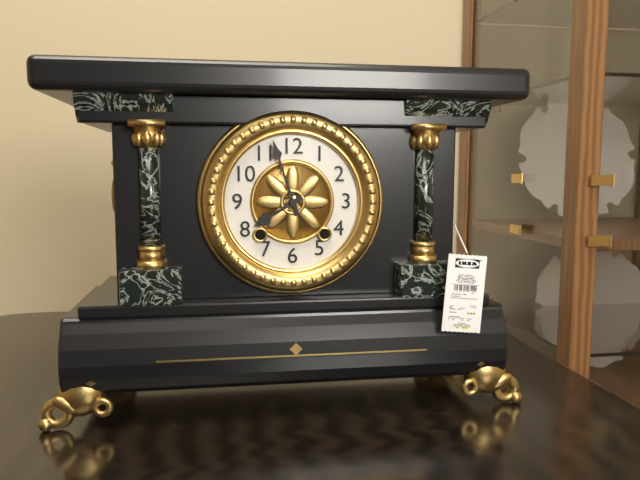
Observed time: 7:57
